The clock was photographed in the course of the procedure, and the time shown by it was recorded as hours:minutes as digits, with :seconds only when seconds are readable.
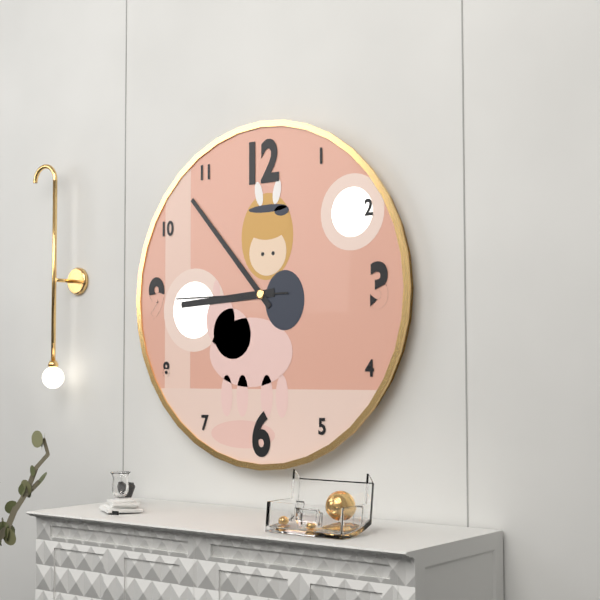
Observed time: 8:53:45
